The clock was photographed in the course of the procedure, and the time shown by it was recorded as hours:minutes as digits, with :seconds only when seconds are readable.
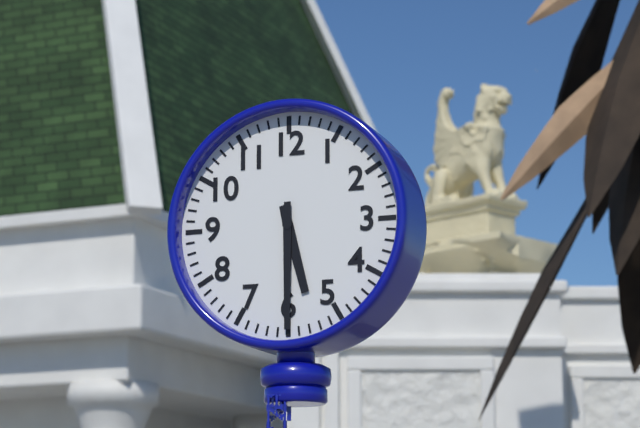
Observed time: 5:30
